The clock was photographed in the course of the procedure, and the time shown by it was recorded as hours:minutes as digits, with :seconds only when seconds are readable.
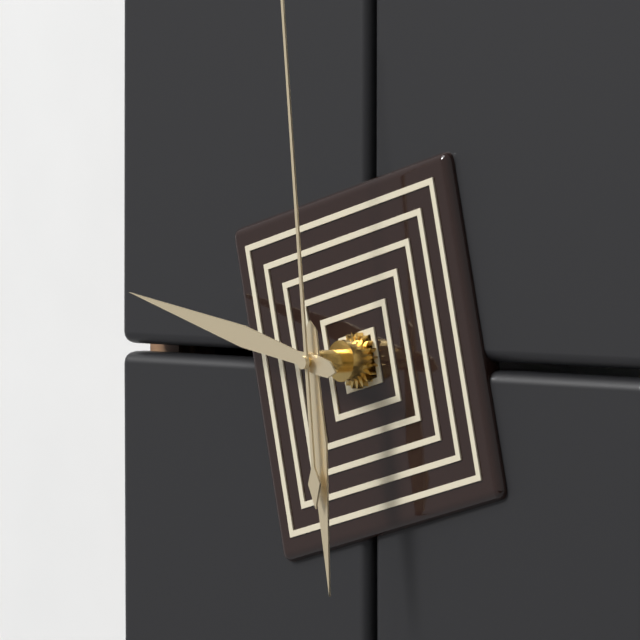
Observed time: 5:47
